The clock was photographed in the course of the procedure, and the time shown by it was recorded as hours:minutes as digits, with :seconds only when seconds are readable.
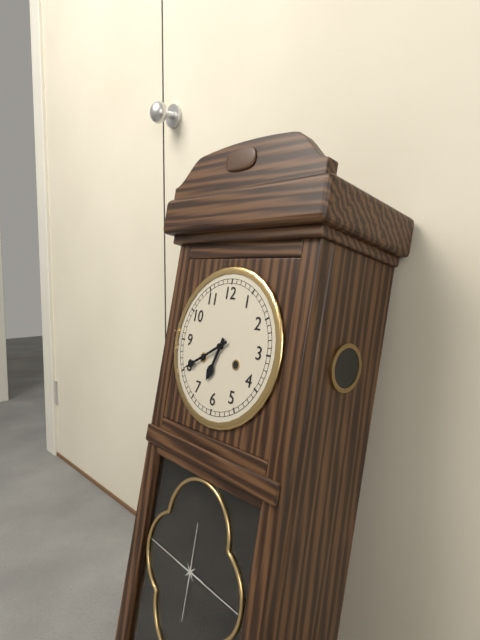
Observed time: 6:40
